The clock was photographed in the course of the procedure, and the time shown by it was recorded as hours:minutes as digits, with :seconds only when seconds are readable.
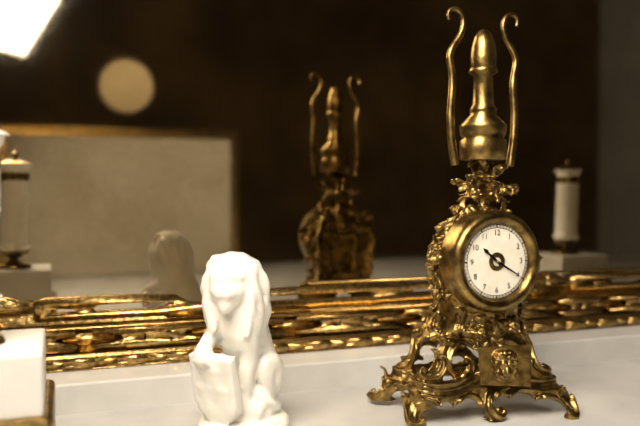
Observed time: 10:20
